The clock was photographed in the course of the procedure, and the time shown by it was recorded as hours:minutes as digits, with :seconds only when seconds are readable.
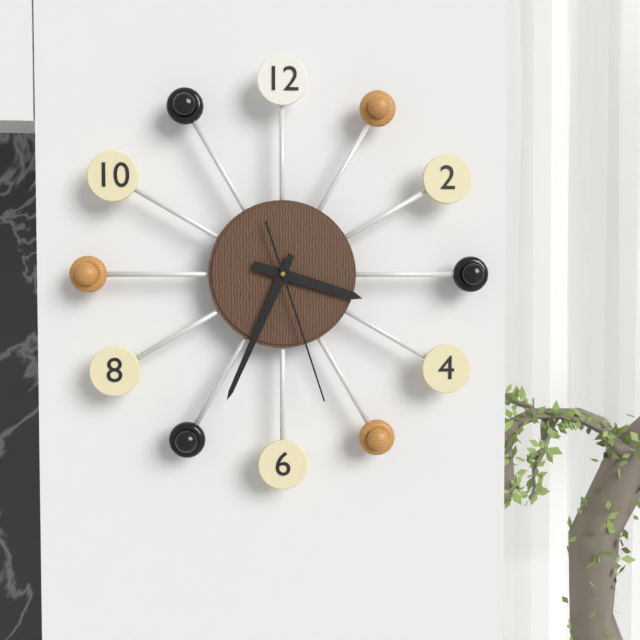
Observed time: 3:34:27
